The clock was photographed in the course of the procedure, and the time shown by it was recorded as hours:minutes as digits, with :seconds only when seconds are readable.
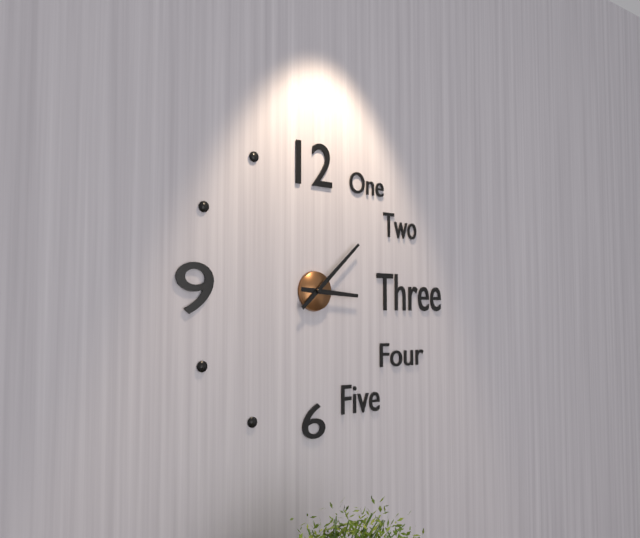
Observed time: 3:08
